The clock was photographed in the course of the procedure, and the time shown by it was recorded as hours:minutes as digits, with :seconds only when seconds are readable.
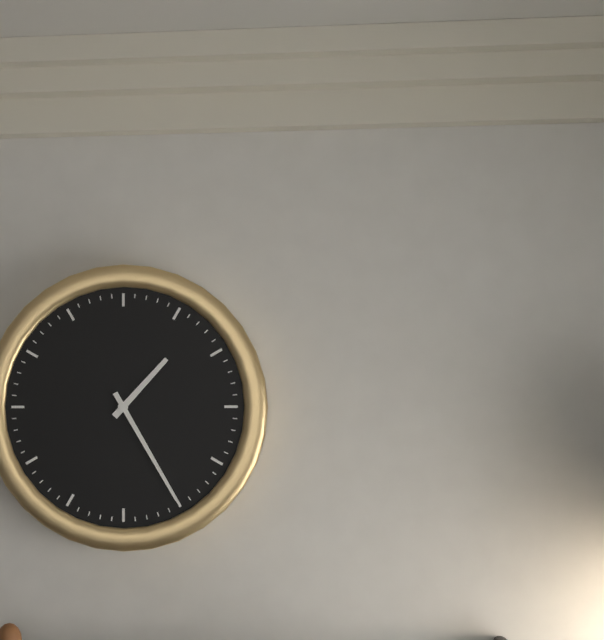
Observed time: 1:25
